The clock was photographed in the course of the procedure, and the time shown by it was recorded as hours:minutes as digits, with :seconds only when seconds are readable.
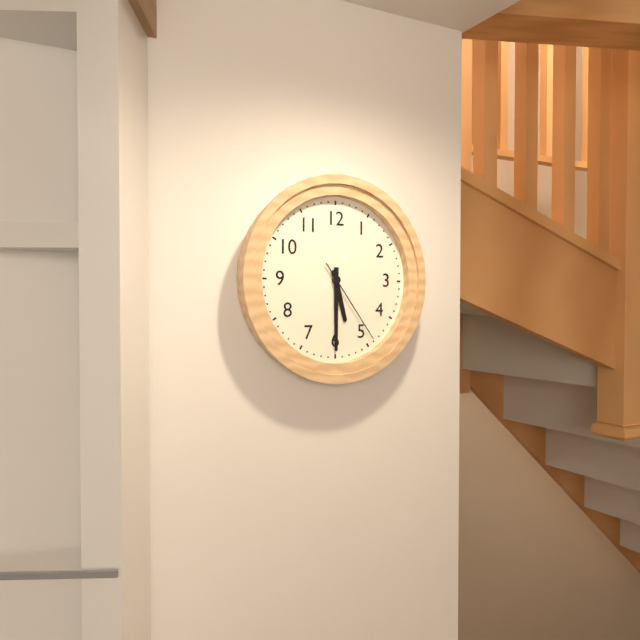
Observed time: 5:30:24
